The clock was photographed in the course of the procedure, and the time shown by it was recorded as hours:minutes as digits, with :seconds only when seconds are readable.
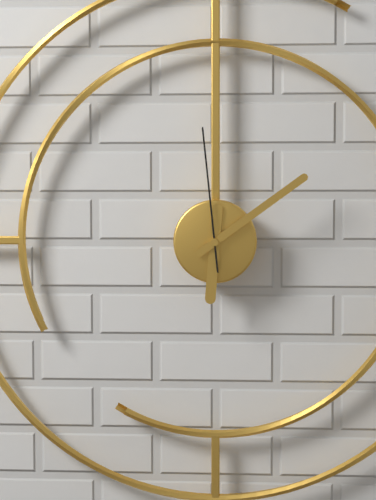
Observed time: 6:09:59
